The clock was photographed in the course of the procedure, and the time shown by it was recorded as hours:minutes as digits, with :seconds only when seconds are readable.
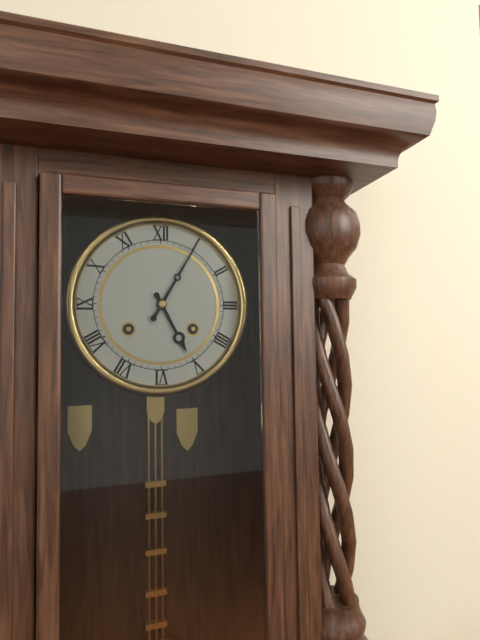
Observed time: 5:05
